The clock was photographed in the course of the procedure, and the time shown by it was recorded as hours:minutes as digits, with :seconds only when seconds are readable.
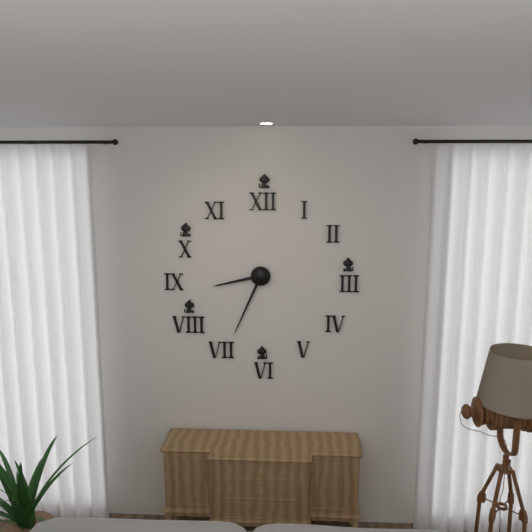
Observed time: 8:34
